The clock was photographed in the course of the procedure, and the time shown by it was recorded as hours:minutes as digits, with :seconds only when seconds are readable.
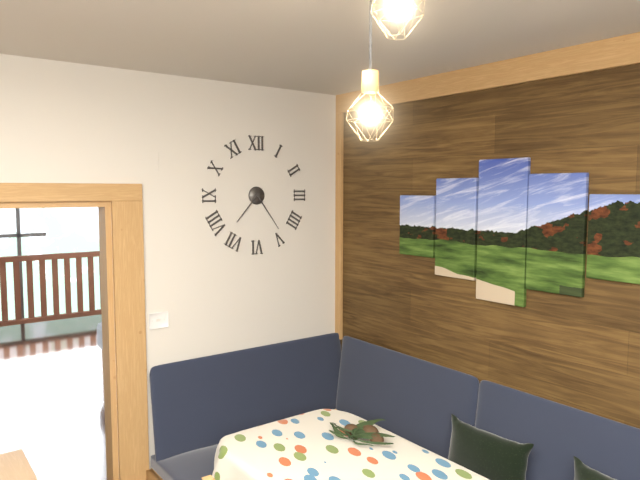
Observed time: 7:24
